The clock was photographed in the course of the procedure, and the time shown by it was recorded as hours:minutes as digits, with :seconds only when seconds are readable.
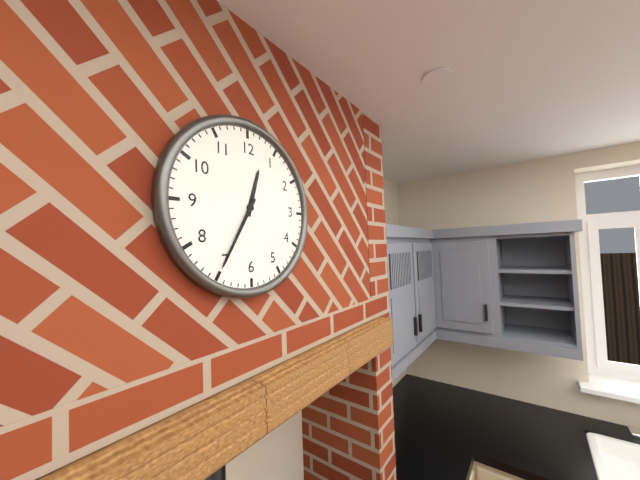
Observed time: 12:35
